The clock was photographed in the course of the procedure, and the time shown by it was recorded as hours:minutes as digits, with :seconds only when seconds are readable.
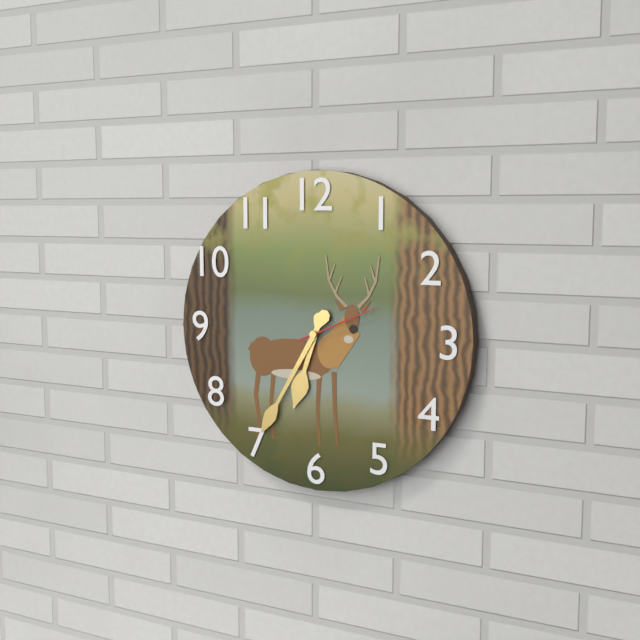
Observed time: 6:35:11
